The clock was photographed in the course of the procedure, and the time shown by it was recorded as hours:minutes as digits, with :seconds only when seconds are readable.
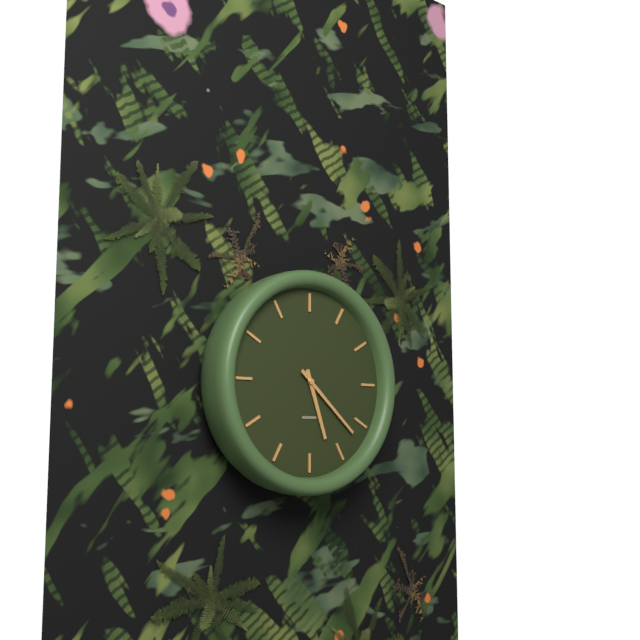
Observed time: 5:22
